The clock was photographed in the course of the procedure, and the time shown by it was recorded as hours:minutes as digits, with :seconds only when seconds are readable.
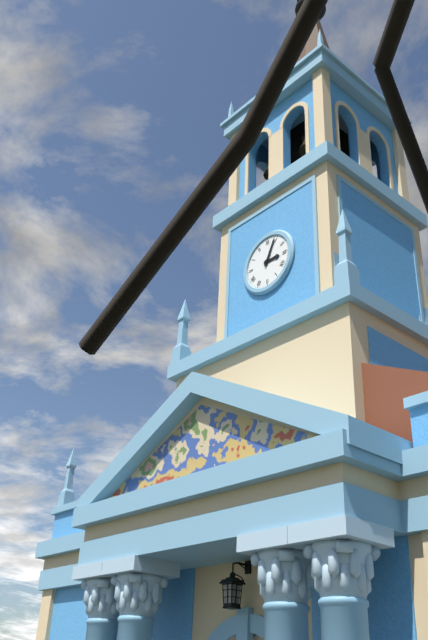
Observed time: 3:04
